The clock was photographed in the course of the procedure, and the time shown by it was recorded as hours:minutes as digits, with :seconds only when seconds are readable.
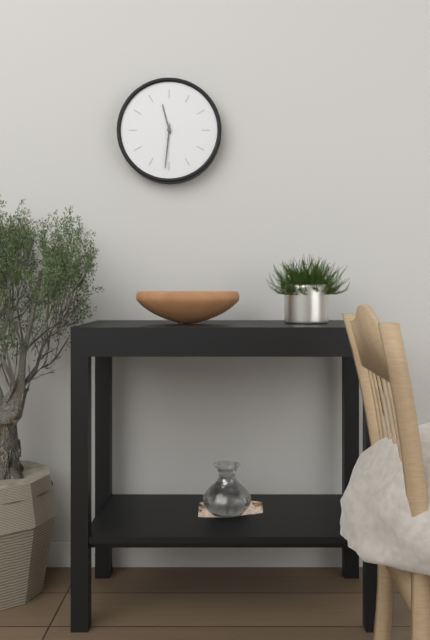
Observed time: 11:31
